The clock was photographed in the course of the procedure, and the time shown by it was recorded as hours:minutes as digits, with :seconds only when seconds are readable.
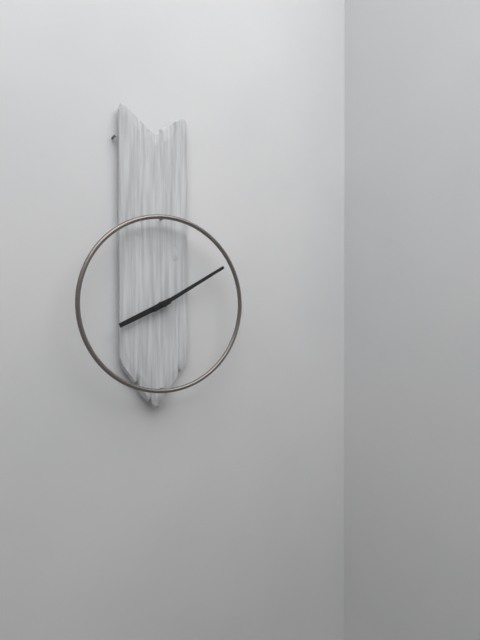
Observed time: 8:10
